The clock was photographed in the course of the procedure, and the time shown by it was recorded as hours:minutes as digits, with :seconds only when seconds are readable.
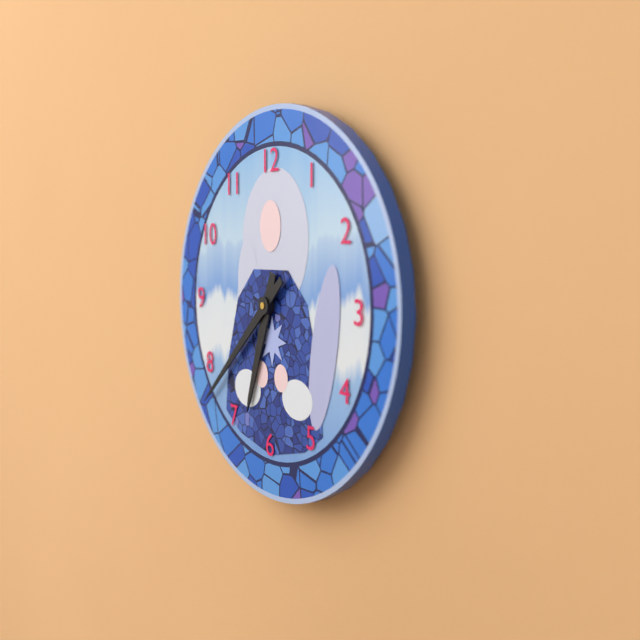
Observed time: 6:38
